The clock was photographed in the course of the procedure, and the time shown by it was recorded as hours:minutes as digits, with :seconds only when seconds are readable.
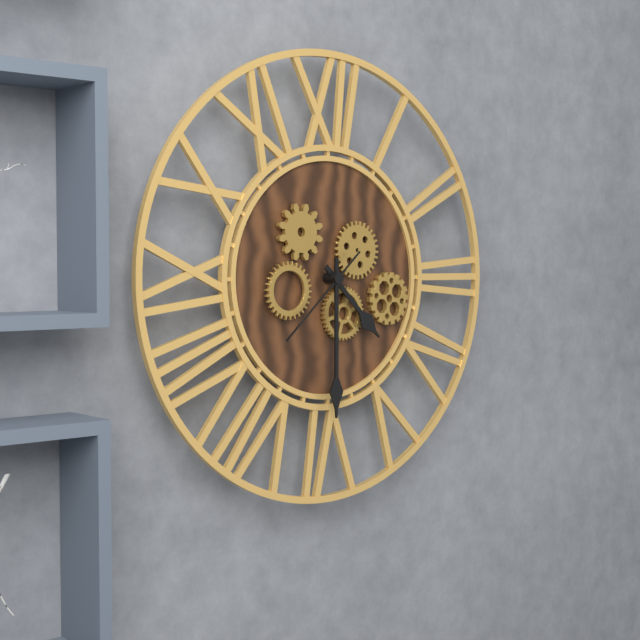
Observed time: 4:30:38
